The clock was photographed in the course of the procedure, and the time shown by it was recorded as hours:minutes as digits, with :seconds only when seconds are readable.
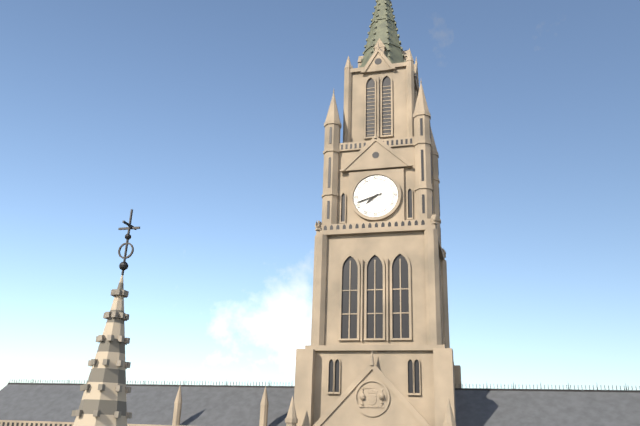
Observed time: 7:42
